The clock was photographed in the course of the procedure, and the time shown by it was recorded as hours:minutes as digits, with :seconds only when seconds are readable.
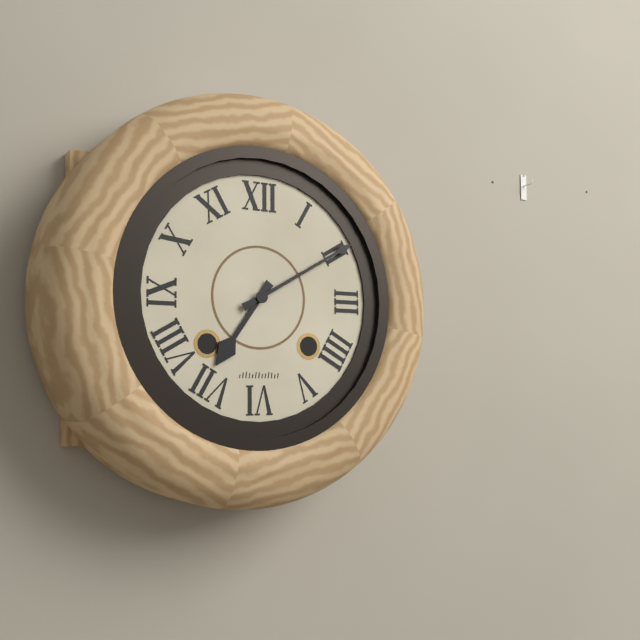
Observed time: 7:10
